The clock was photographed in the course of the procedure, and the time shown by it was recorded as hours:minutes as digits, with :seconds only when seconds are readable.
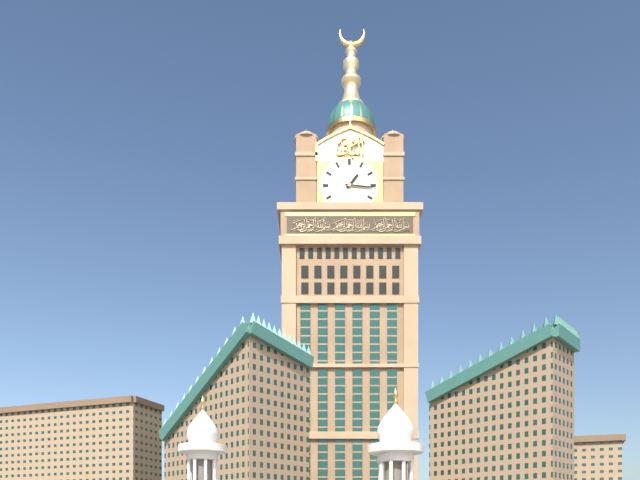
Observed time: 1:16
